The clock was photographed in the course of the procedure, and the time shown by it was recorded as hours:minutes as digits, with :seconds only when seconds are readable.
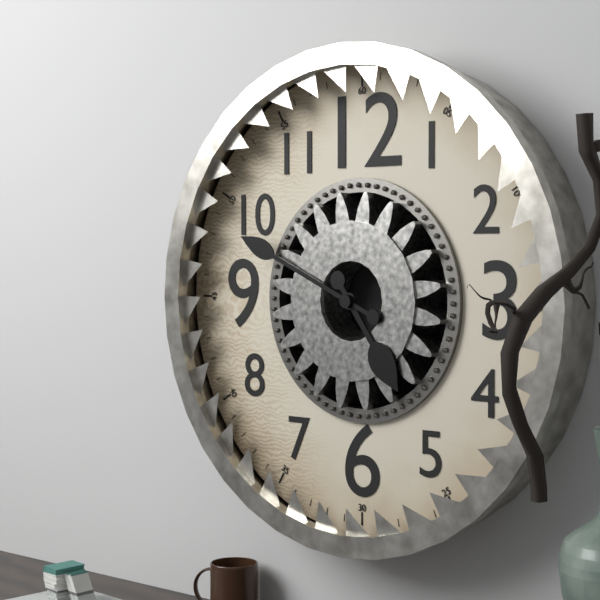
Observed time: 4:49
